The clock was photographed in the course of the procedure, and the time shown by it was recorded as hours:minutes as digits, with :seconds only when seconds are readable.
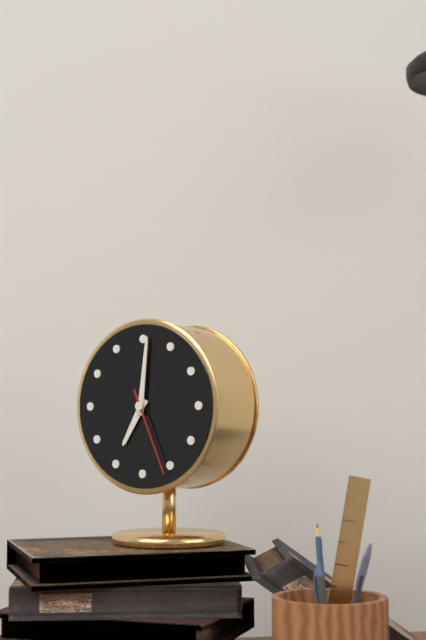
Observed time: 7:01:26
